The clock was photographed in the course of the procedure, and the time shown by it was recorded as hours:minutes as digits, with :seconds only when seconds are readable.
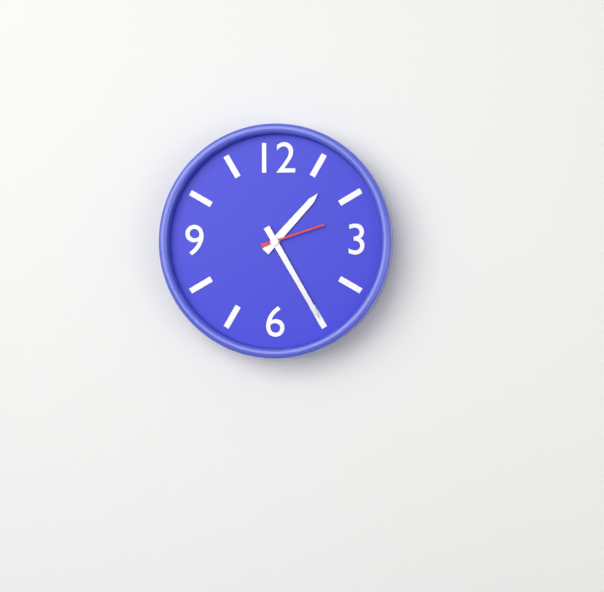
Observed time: 1:25:12
